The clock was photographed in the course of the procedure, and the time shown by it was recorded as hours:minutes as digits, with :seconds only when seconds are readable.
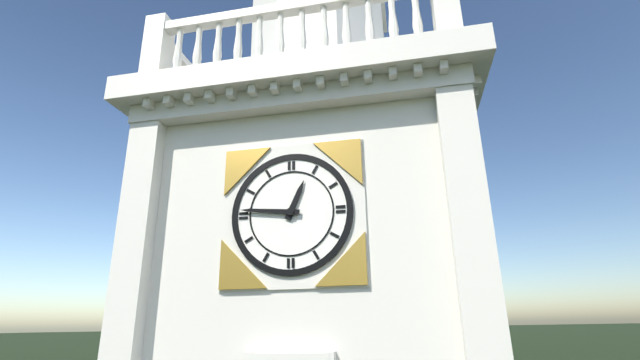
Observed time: 12:46
